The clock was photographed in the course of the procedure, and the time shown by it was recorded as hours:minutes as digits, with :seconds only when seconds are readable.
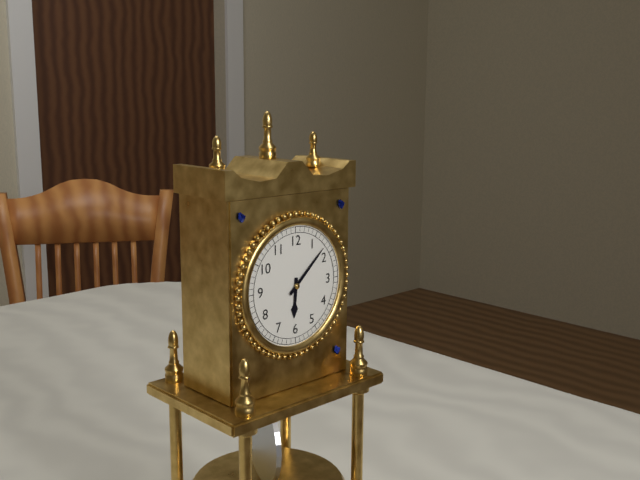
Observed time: 6:08
